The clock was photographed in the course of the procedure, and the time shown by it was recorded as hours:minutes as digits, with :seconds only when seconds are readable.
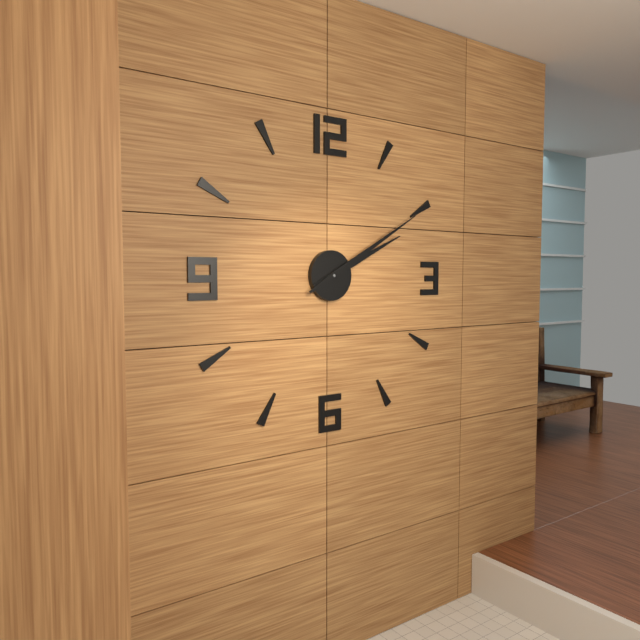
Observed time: 2:10
